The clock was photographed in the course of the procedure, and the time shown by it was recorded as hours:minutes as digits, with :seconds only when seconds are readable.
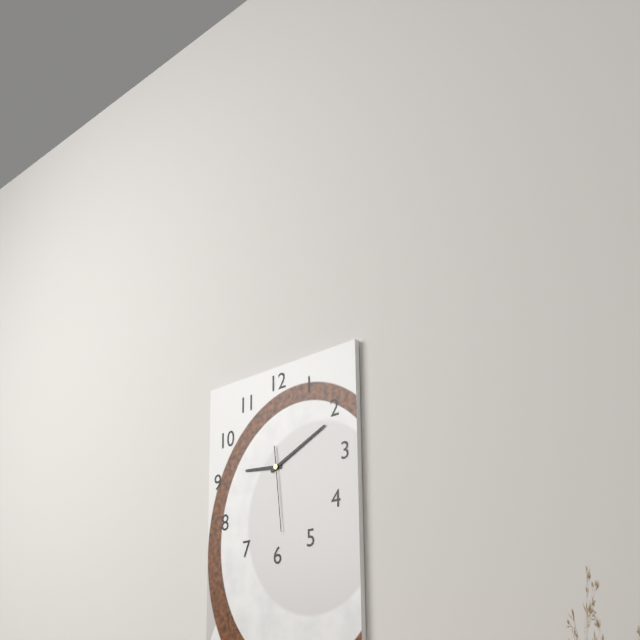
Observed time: 9:11:29
